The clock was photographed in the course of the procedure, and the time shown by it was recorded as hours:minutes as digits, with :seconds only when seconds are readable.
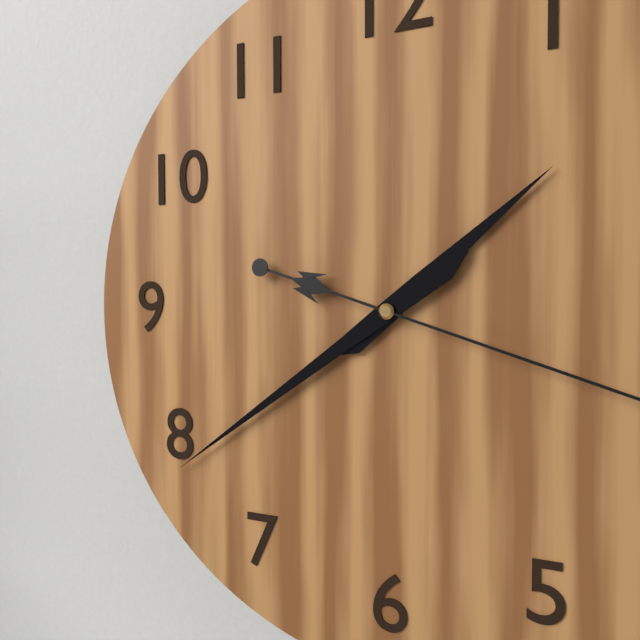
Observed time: 1:39
